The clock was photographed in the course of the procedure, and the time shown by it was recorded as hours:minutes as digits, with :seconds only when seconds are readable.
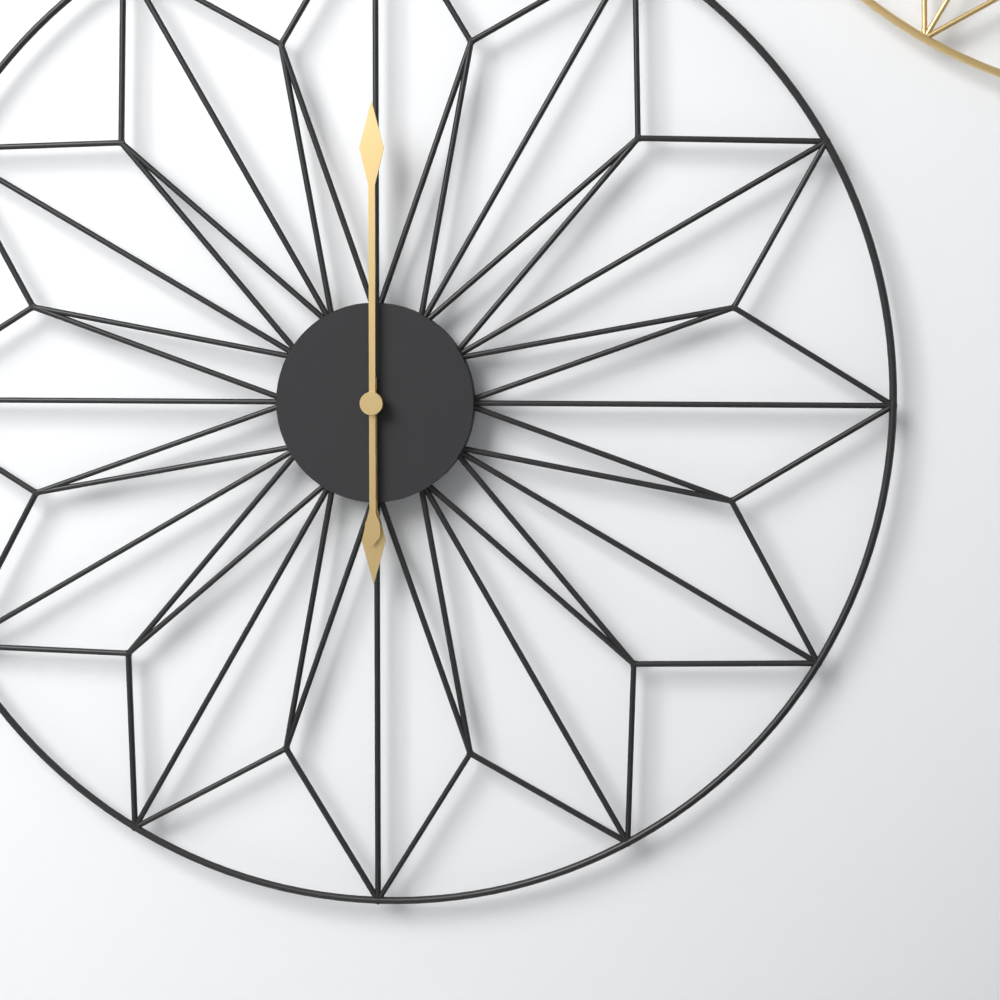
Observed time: 6:00
